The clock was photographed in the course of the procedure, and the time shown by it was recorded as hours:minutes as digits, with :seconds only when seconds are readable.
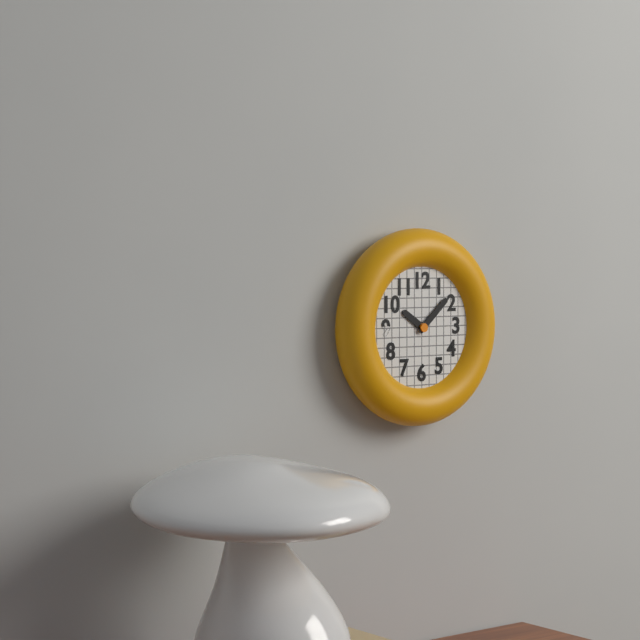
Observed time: 10:08
